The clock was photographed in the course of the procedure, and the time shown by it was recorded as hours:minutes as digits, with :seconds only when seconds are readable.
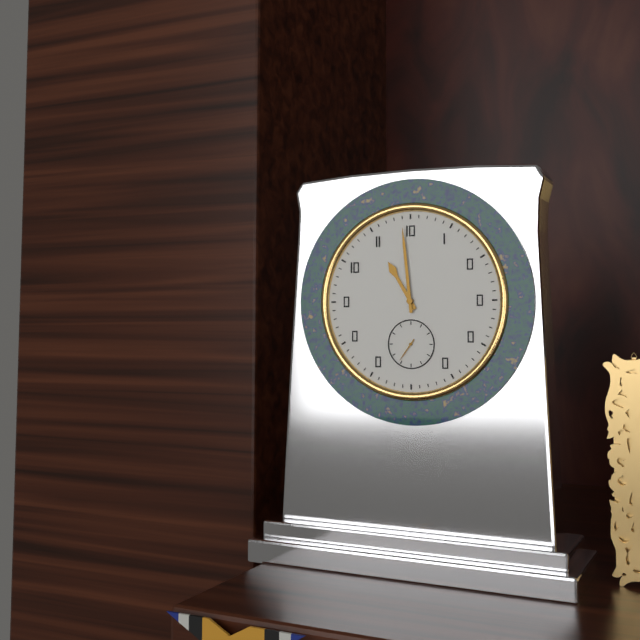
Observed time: 10:59
